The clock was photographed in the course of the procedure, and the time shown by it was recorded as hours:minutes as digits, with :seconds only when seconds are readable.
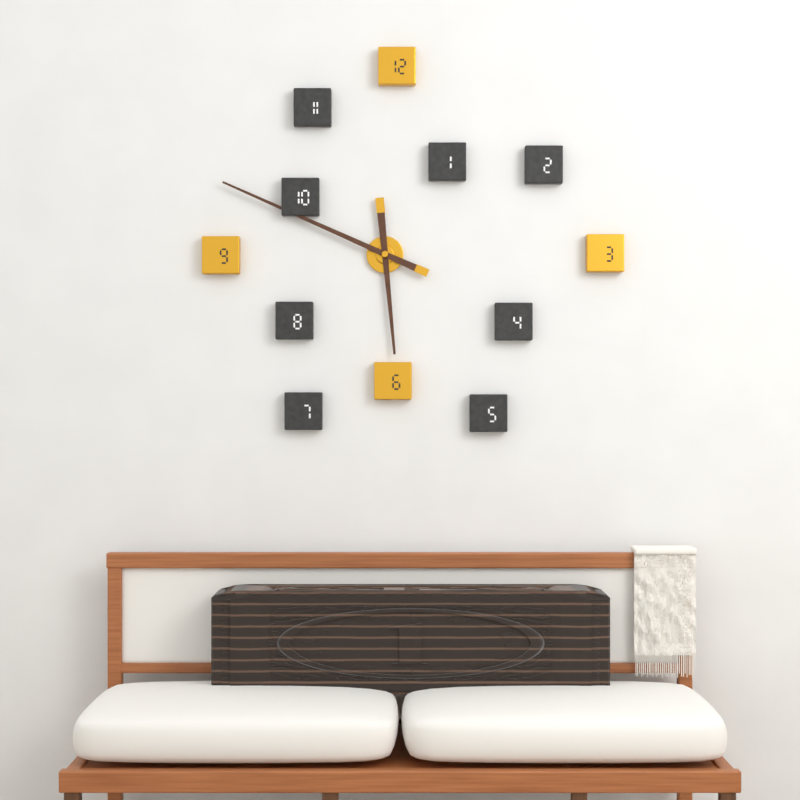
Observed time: 5:49
